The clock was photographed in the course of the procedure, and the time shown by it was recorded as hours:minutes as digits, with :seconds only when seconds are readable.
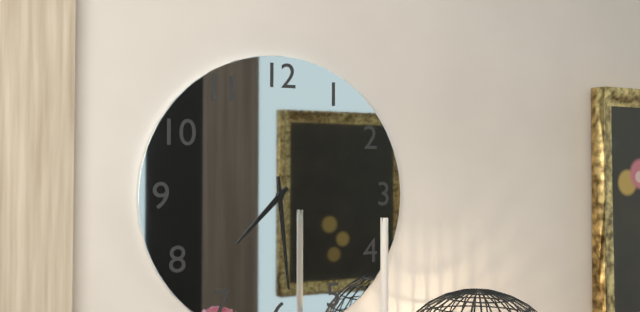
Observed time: 7:29
